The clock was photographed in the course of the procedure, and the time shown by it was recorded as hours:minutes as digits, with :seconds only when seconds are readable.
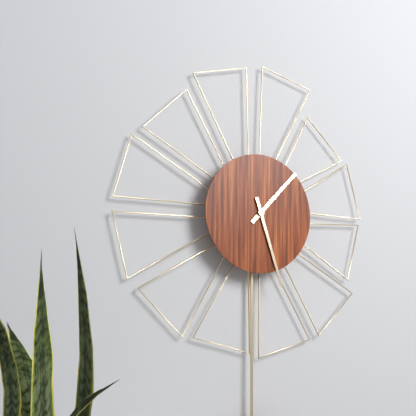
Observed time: 1:27
